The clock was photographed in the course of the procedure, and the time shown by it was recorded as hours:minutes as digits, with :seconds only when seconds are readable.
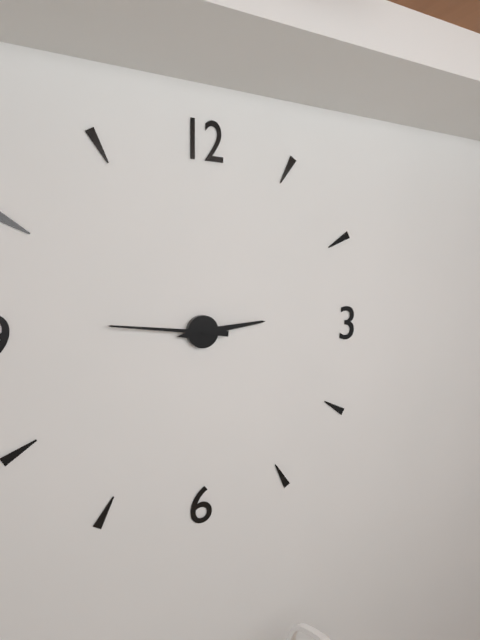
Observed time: 2:46
